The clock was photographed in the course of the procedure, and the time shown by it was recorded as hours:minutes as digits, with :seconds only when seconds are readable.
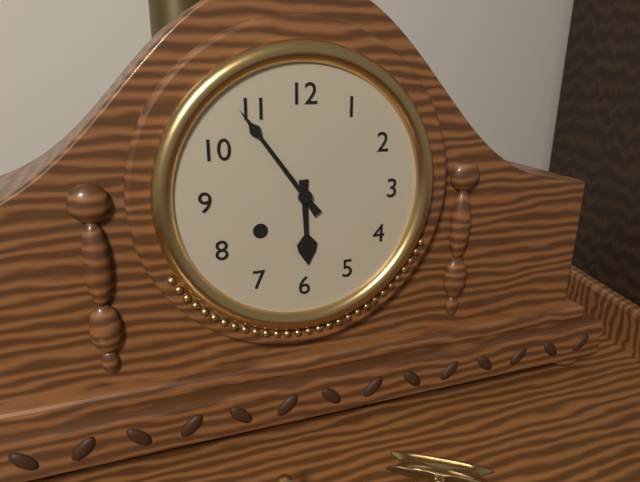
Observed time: 5:54
